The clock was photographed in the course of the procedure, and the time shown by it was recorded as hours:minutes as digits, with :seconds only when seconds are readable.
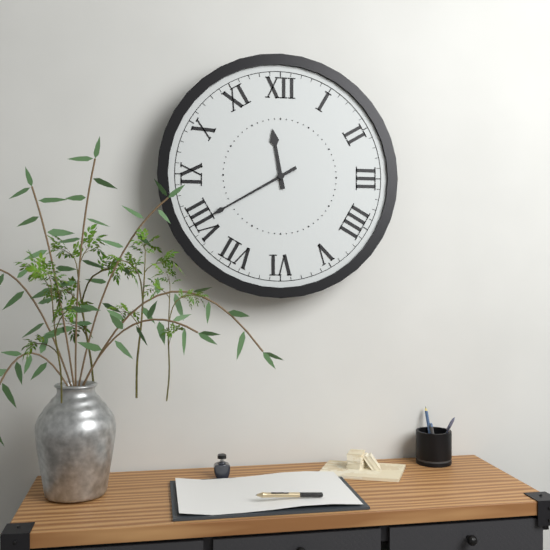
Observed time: 11:40
